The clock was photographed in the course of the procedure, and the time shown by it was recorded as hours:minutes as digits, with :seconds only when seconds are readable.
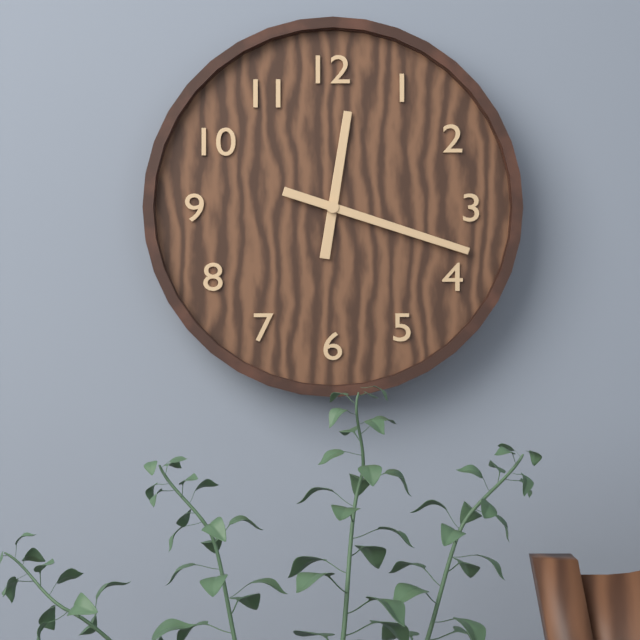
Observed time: 12:18
